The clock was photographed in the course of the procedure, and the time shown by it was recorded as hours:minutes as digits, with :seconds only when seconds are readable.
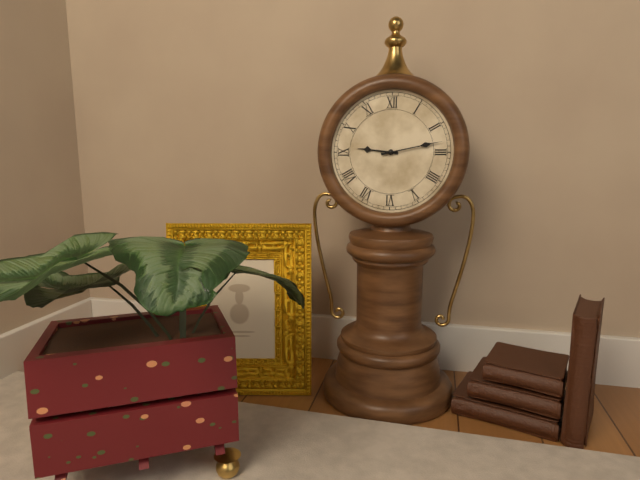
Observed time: 9:13
